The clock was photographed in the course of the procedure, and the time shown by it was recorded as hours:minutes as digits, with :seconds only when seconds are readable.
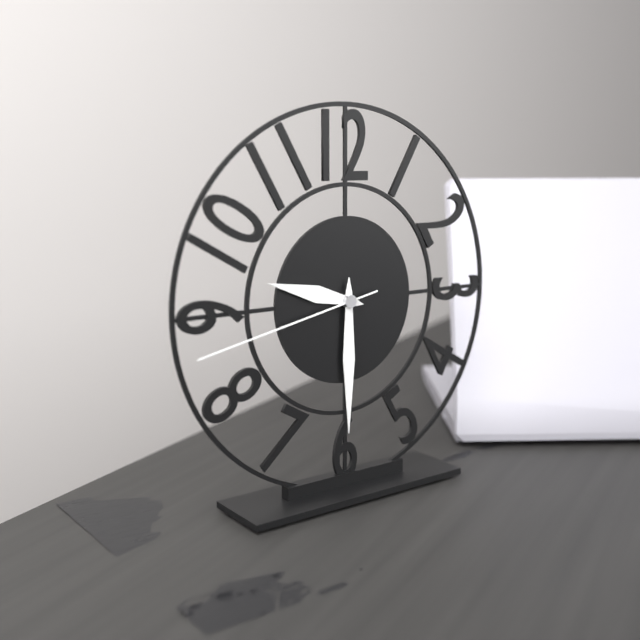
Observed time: 9:30:43
